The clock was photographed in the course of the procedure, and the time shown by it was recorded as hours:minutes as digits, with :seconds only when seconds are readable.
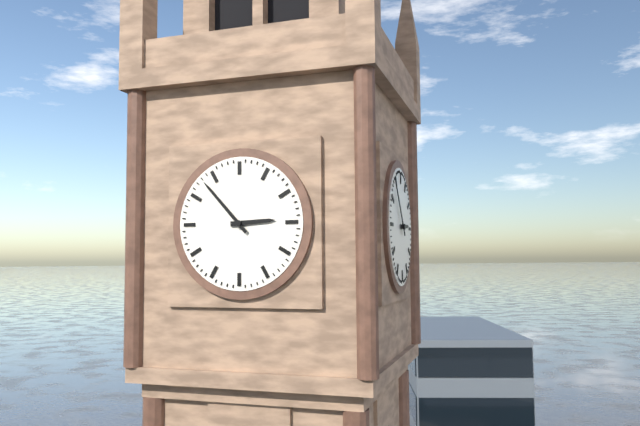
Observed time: 2:53
